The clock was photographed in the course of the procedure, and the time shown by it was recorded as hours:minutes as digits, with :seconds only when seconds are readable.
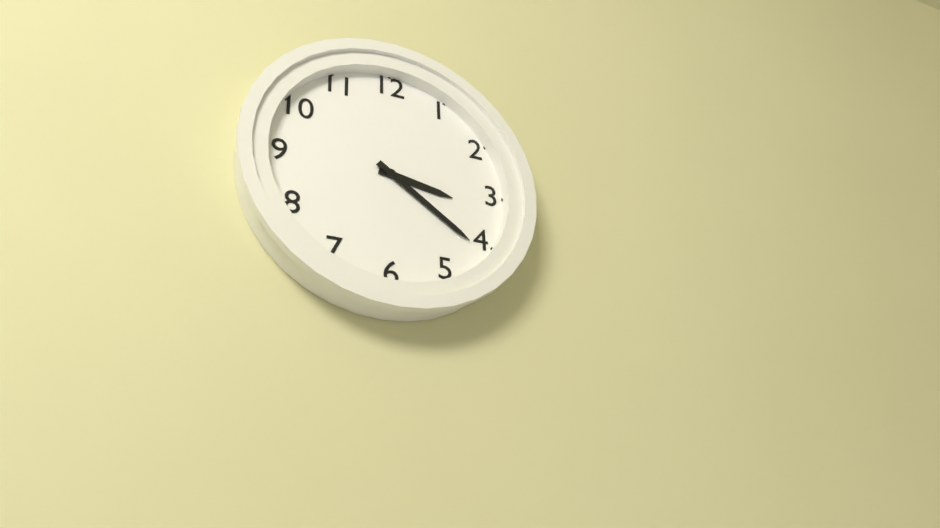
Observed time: 3:21
